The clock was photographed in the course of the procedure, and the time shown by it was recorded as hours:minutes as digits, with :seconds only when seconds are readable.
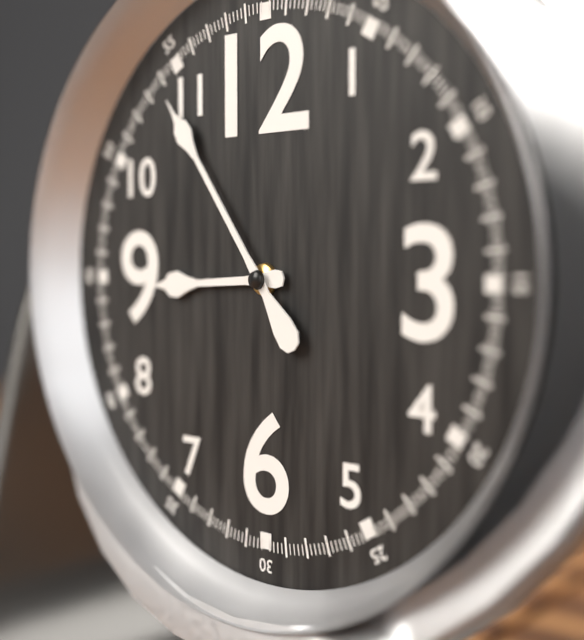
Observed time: 8:54
